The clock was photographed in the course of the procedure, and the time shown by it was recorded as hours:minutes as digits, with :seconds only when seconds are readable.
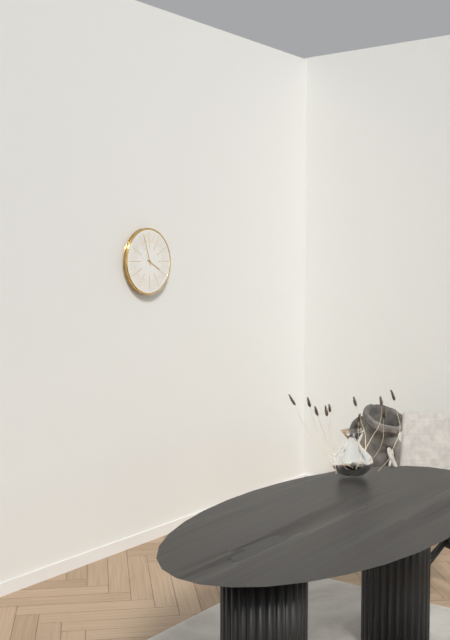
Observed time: 3:57
